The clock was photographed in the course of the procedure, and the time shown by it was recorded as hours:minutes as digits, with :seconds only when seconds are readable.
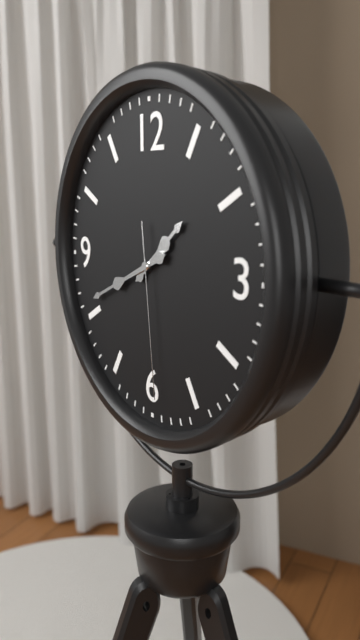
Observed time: 1:41:29
